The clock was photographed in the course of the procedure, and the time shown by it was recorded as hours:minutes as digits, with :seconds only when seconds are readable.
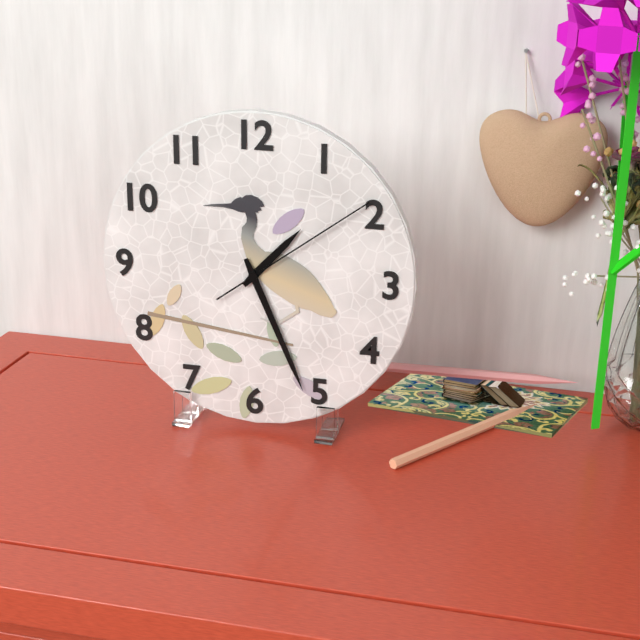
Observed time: 1:26:09
